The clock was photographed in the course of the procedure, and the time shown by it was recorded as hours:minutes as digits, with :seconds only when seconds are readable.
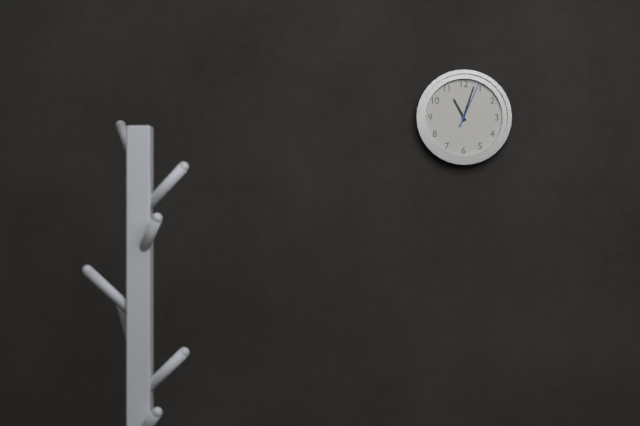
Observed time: 11:03
